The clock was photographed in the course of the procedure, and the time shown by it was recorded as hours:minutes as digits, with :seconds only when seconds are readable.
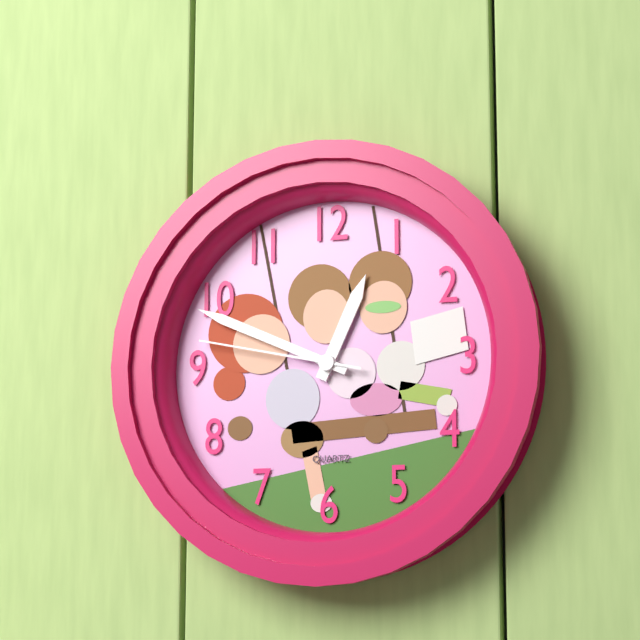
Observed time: 12:49:47
